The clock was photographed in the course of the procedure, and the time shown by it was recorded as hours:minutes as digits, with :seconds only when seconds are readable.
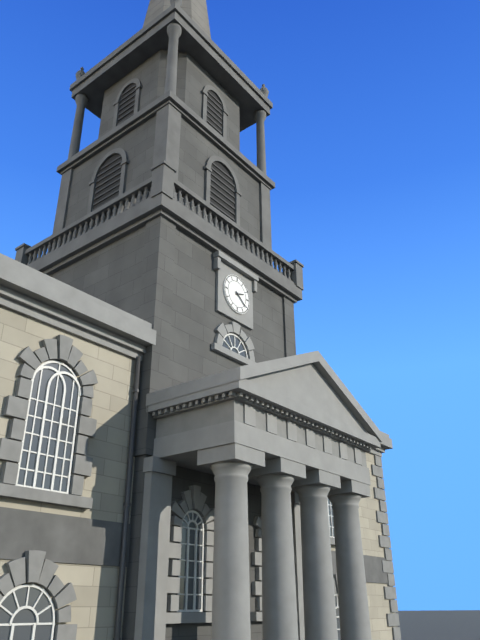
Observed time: 2:21
